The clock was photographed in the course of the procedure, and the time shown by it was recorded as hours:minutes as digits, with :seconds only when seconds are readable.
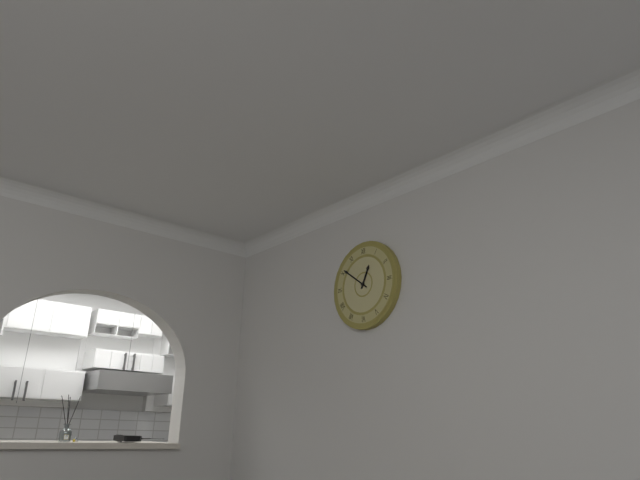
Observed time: 12:51
